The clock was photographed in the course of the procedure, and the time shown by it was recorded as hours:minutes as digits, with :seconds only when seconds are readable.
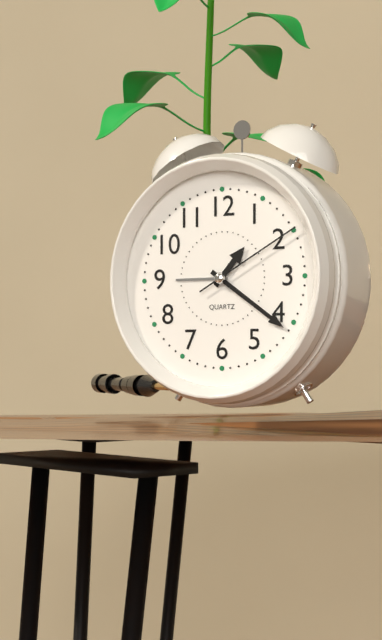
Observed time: 1:21:10
